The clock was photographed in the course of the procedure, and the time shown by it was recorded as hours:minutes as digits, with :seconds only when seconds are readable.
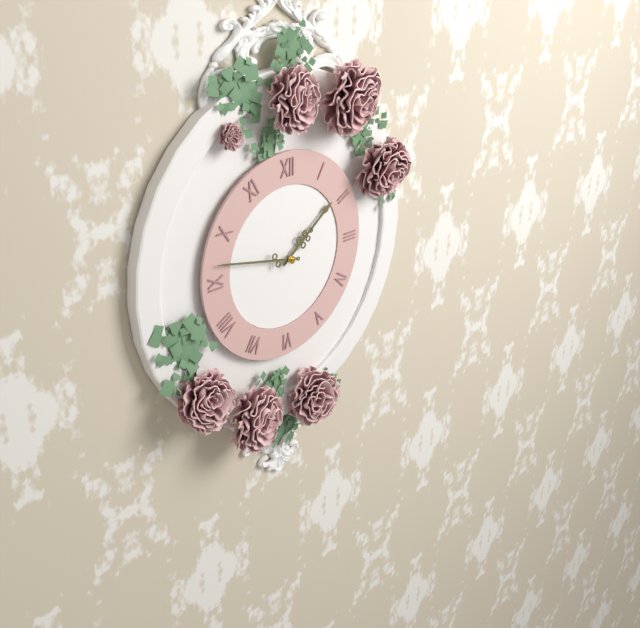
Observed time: 1:47
